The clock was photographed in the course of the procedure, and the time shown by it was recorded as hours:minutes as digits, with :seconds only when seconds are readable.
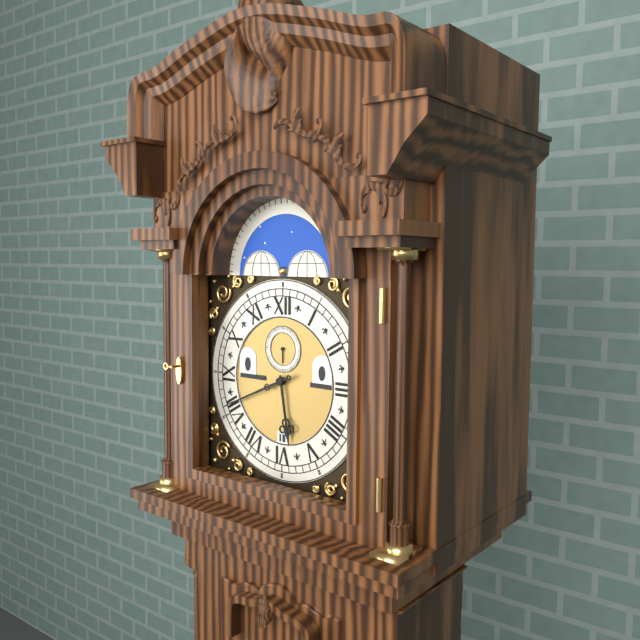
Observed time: 5:41
